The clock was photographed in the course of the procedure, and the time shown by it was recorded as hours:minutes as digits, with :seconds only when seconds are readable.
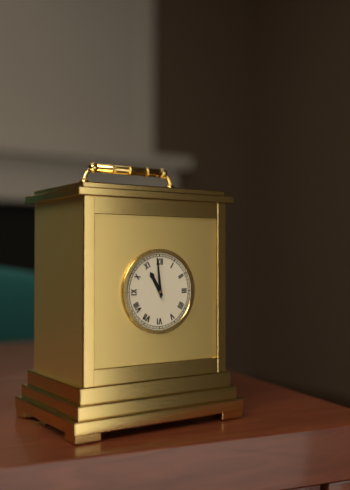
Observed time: 10:59
